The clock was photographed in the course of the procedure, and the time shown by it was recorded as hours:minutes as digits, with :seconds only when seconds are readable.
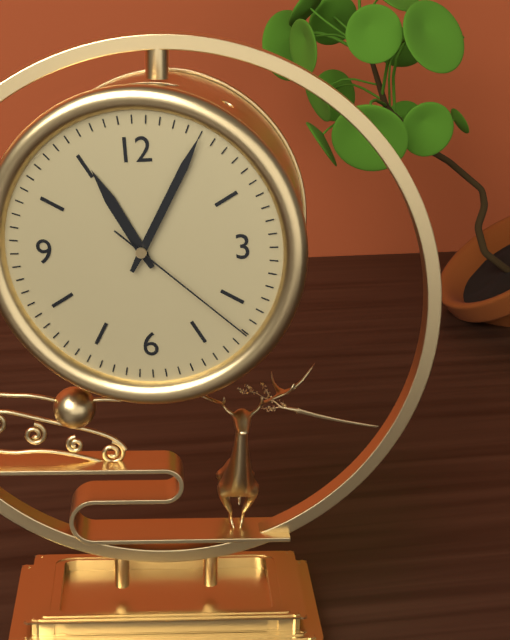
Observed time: 11:05:22
